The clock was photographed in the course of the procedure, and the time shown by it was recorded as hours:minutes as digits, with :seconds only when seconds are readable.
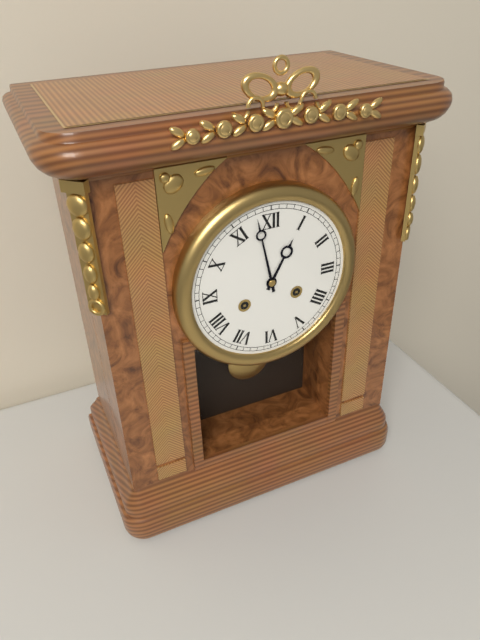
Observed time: 12:58
